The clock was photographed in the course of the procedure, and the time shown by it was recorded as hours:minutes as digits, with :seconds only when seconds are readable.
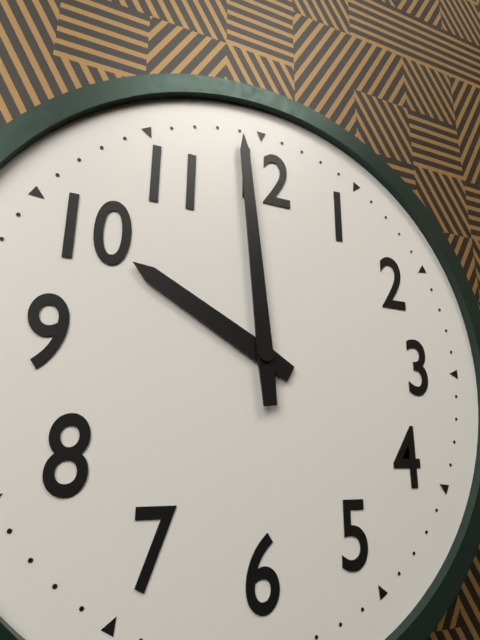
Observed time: 9:59
